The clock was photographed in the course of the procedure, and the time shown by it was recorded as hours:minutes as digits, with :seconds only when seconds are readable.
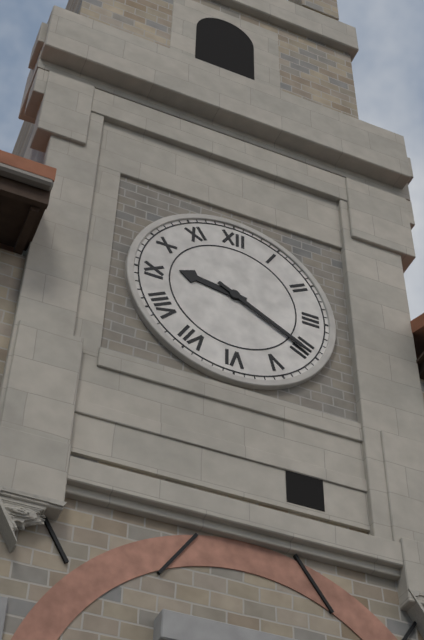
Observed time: 9:20
